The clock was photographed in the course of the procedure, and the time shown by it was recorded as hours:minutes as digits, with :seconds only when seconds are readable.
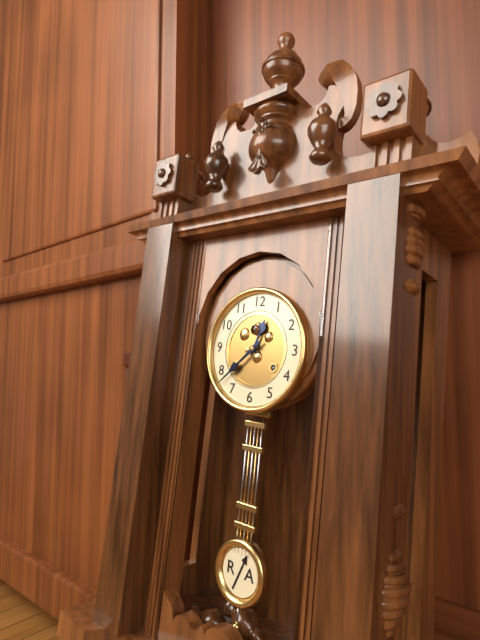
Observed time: 12:38
